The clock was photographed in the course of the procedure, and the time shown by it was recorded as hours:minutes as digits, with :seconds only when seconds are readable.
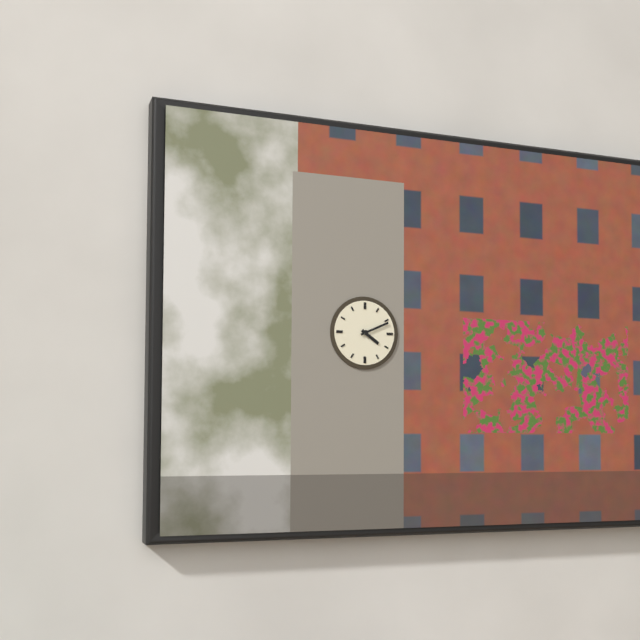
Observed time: 4:11
